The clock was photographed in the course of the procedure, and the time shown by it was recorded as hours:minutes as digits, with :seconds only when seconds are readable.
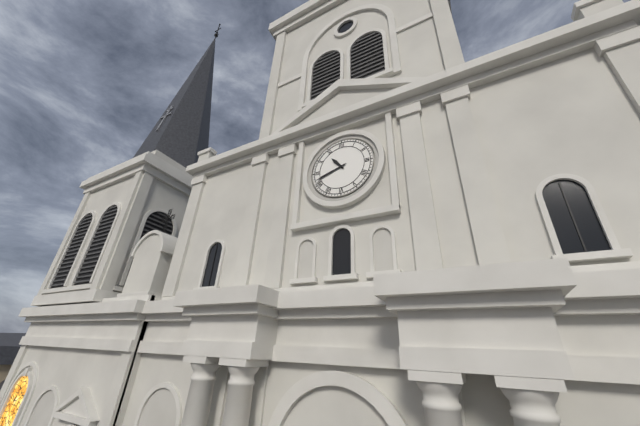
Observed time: 10:42
